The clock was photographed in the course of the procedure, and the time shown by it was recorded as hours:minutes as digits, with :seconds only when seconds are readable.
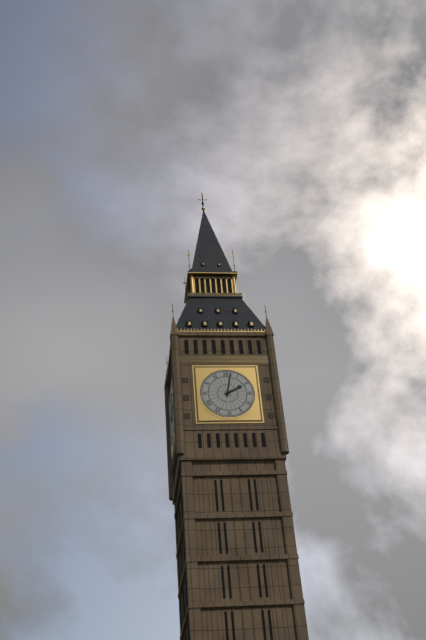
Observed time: 2:02
